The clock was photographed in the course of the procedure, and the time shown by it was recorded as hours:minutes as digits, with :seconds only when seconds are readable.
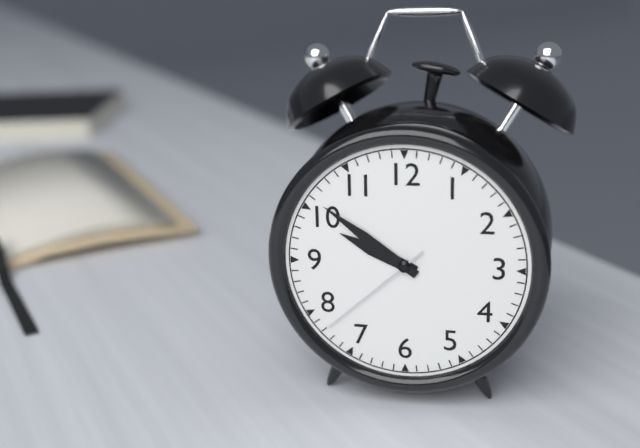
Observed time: 9:51:38
